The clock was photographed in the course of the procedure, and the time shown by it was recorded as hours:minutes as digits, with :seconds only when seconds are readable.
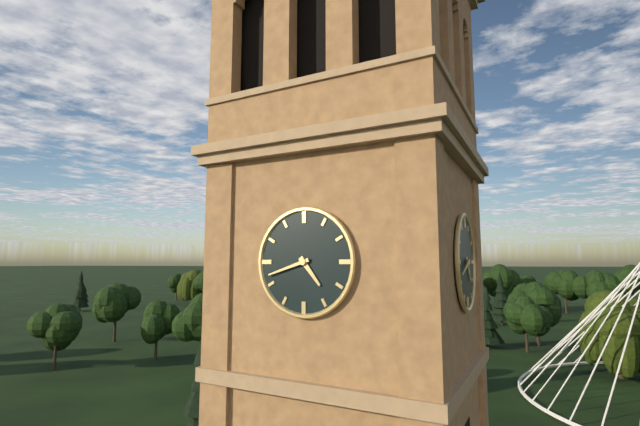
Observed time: 4:42
